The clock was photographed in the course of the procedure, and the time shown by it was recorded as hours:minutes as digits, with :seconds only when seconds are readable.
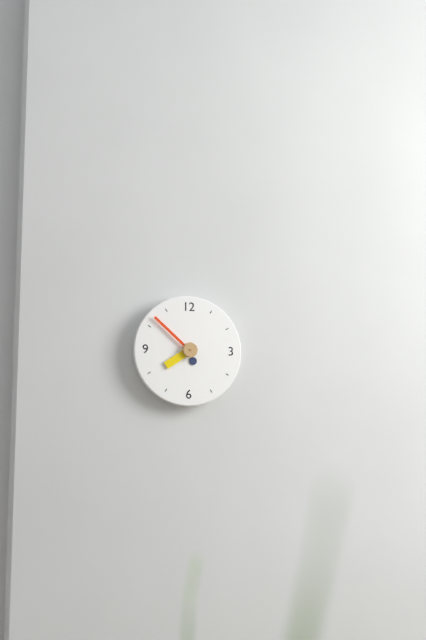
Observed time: 7:52
